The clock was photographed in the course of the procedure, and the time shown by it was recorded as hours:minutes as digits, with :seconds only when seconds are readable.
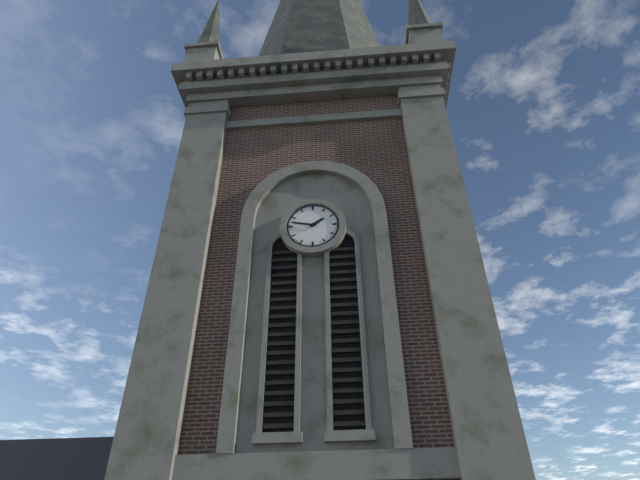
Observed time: 1:47
